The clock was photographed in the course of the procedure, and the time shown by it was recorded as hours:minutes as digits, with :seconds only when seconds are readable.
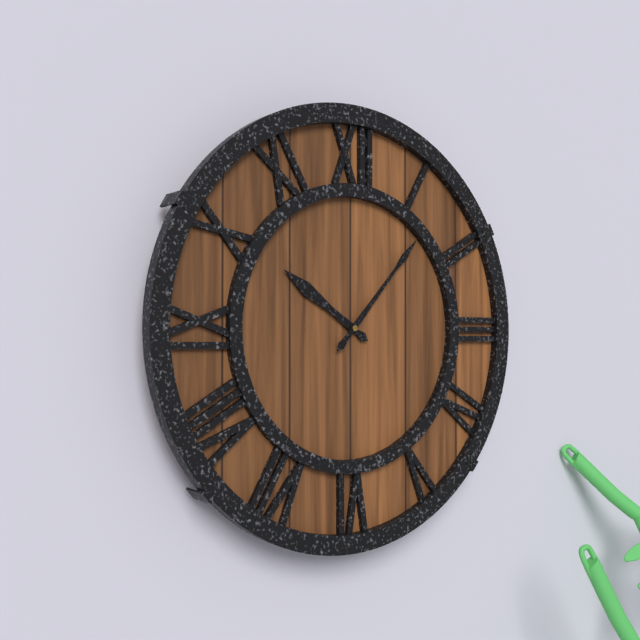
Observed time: 10:07
